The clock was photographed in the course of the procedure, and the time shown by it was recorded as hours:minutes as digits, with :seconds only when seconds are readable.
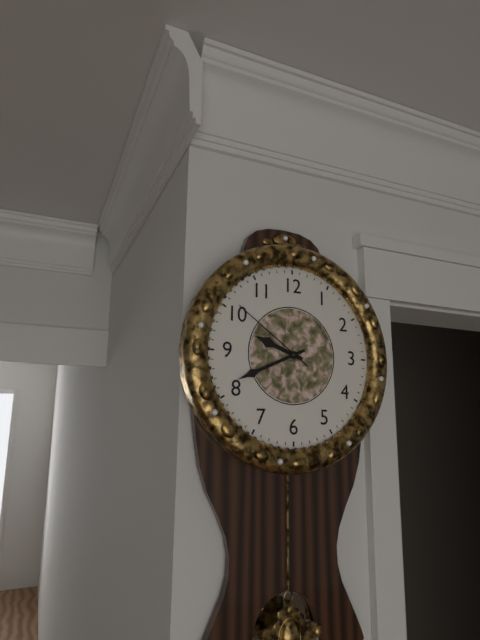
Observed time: 9:41:51
